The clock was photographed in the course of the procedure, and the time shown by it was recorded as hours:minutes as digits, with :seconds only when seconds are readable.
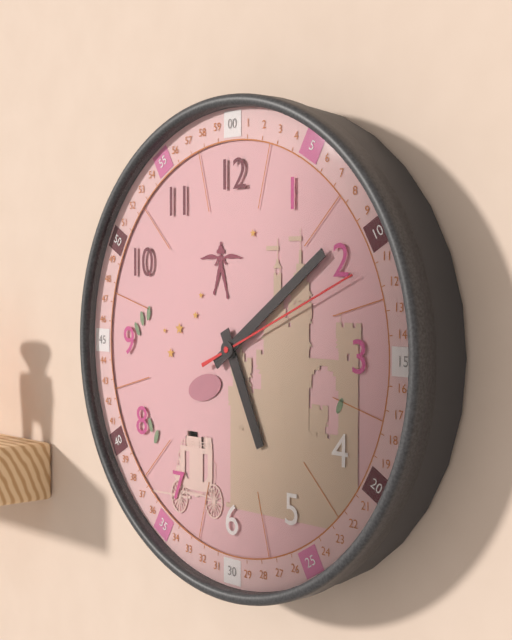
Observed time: 5:09:11
